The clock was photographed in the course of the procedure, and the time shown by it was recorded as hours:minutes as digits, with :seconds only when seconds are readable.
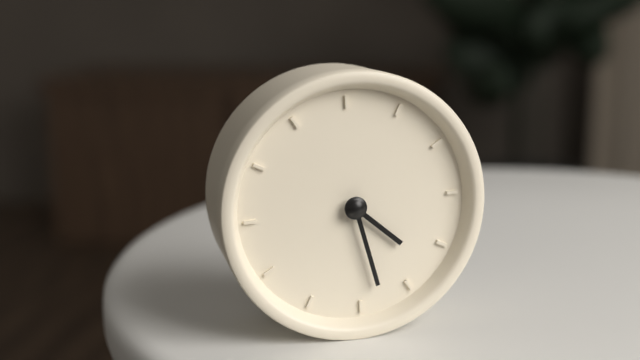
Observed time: 4:28
